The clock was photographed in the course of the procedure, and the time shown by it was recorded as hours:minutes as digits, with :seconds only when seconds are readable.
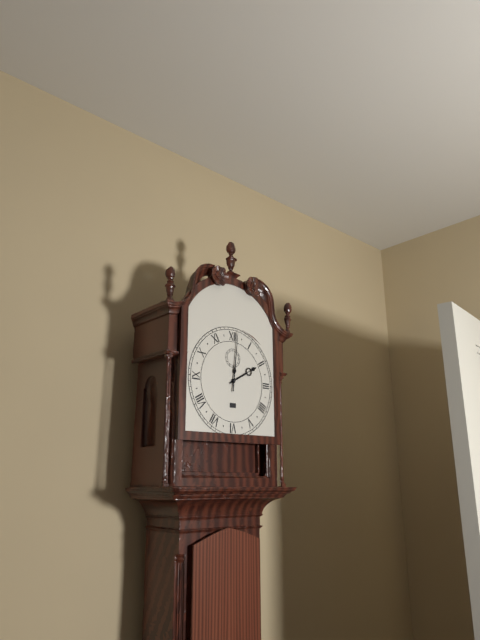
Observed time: 2:01
